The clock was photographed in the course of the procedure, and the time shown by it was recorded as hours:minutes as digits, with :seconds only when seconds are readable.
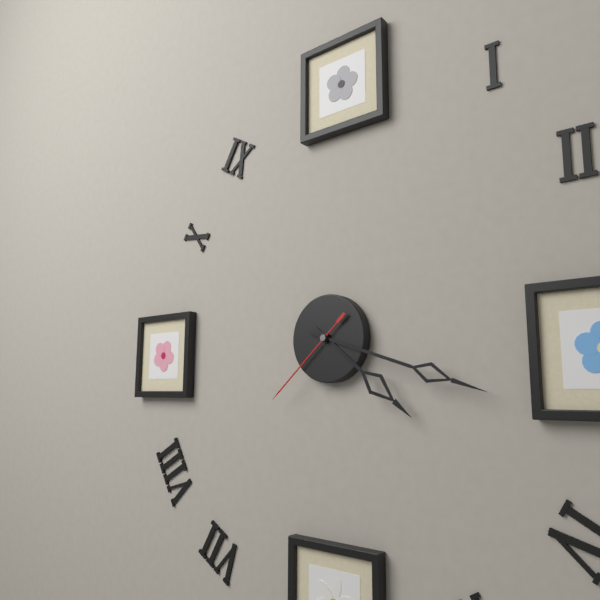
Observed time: 4:18:38
